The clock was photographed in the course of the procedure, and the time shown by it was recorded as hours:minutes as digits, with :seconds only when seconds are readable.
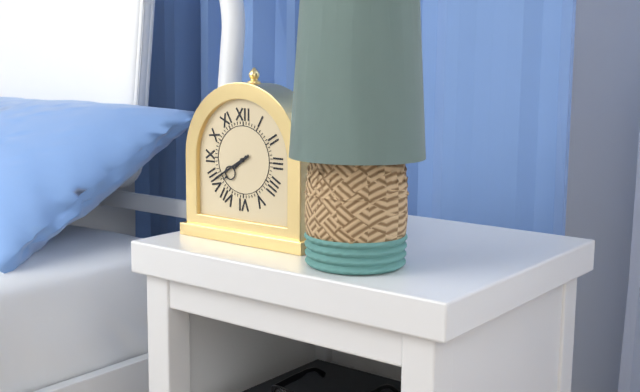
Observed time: 7:40
